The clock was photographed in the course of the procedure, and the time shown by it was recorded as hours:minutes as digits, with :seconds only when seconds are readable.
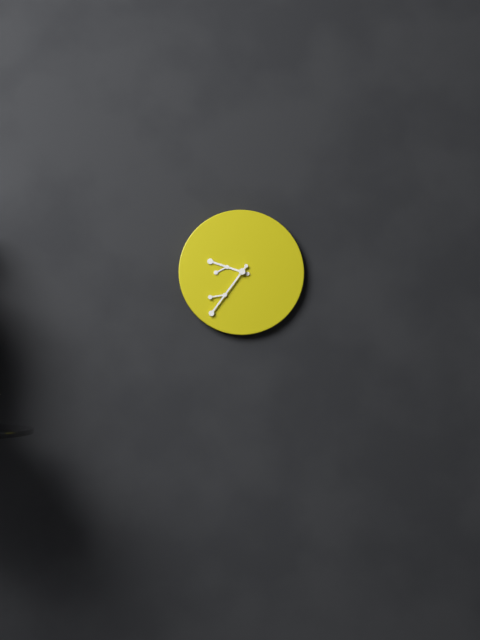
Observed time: 9:36
